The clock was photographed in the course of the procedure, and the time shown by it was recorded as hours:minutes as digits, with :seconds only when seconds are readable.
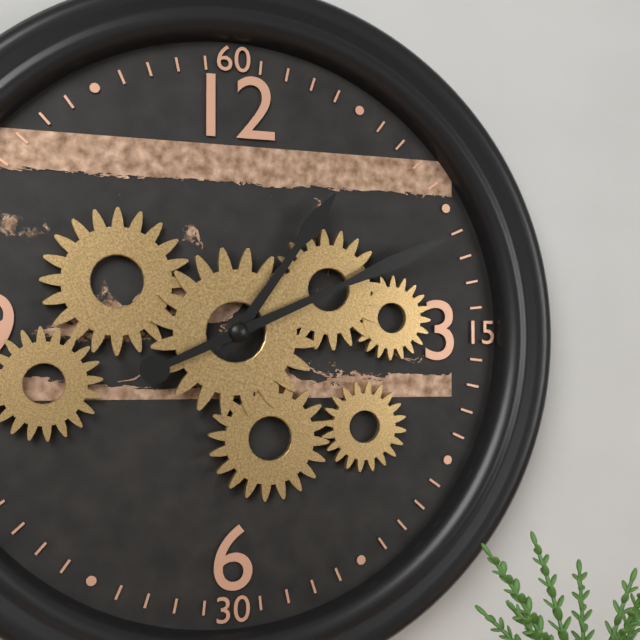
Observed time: 1:11
